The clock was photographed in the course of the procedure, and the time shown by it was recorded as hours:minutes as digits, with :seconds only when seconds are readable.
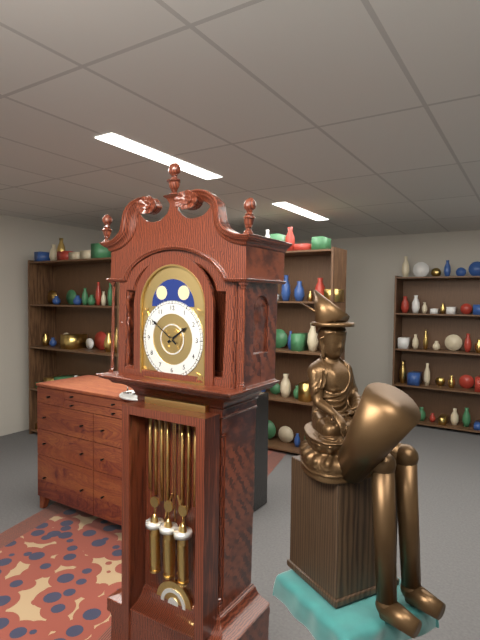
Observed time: 1:51
